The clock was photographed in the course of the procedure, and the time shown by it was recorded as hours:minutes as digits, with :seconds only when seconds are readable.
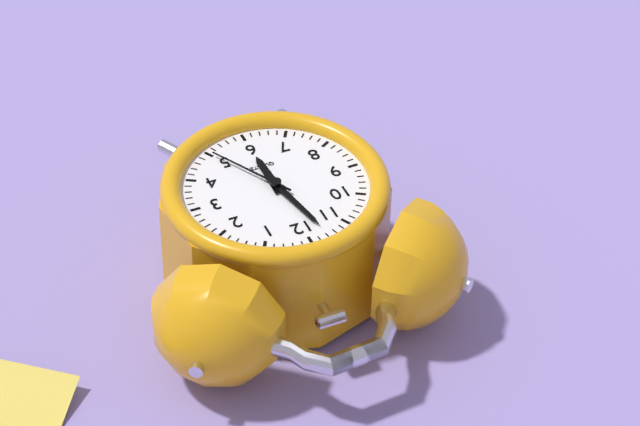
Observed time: 5:58:25
